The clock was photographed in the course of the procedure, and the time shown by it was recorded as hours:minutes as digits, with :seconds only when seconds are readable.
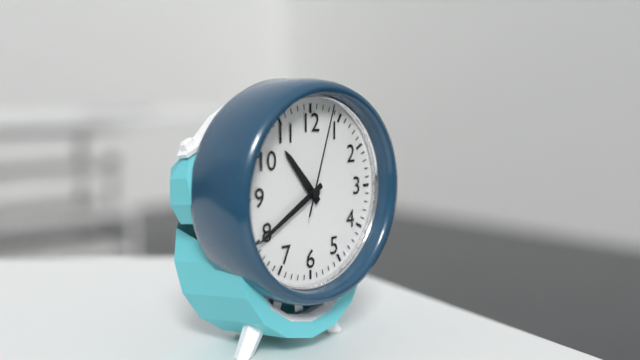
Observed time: 10:40:03
